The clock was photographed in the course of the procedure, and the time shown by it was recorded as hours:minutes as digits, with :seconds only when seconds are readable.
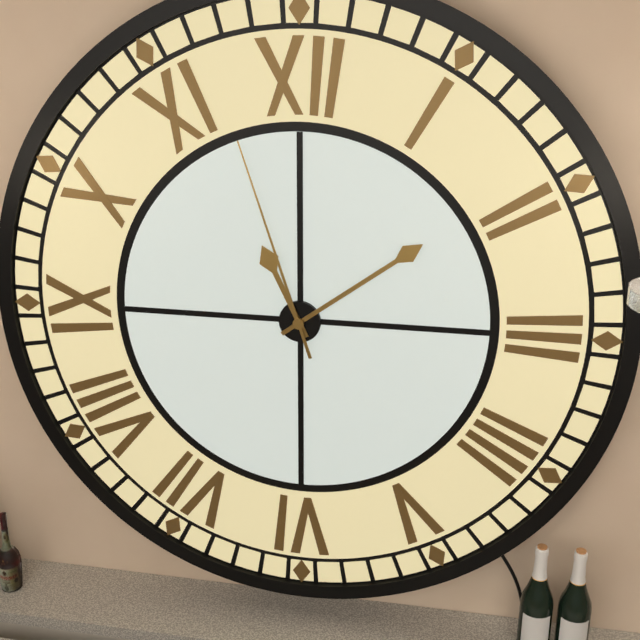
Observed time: 11:09:57
